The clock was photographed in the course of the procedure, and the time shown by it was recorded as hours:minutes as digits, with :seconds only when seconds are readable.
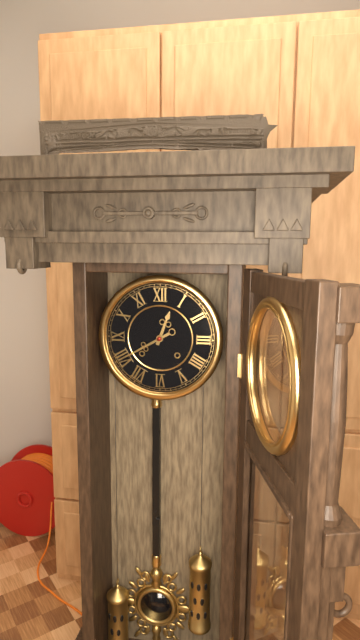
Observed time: 12:40
